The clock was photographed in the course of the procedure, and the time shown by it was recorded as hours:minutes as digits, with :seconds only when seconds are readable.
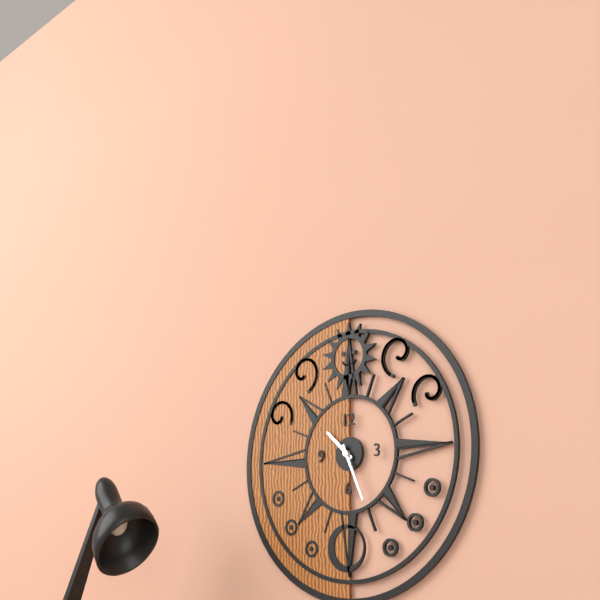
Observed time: 10:26
